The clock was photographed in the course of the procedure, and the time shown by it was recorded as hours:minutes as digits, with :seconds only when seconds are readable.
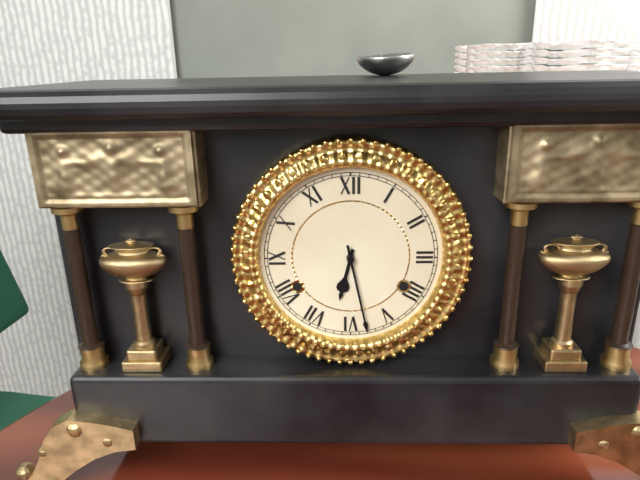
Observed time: 6:28
